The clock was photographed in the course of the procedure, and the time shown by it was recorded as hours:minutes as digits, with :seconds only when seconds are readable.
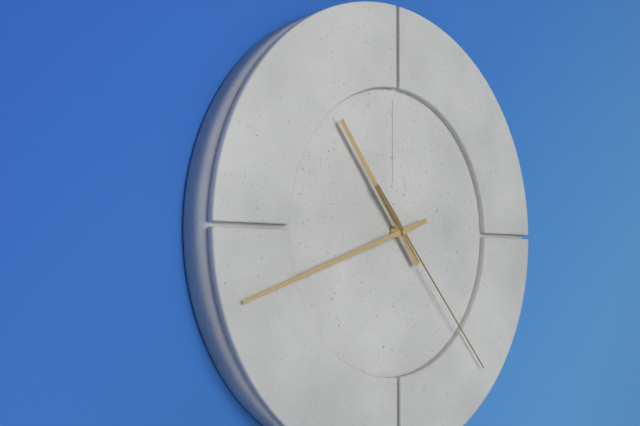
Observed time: 10:42:23
